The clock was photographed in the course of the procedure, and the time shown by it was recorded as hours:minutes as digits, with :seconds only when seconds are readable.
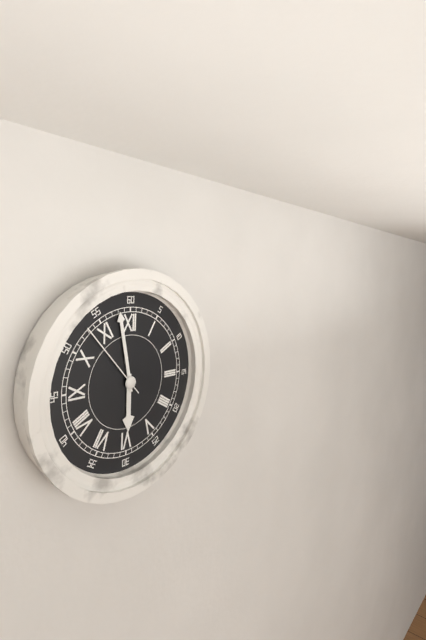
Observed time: 5:58:53
